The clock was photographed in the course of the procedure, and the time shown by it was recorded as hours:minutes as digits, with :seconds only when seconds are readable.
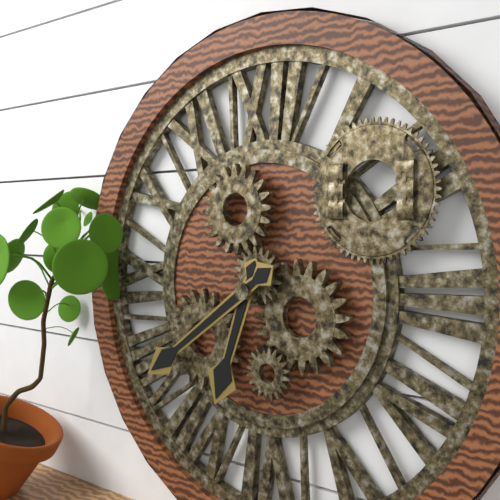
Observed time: 6:39
